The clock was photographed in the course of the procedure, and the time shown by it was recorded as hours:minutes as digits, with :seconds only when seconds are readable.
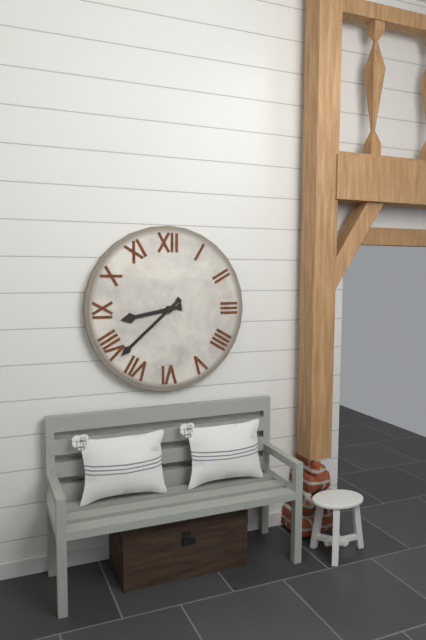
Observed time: 8:38
